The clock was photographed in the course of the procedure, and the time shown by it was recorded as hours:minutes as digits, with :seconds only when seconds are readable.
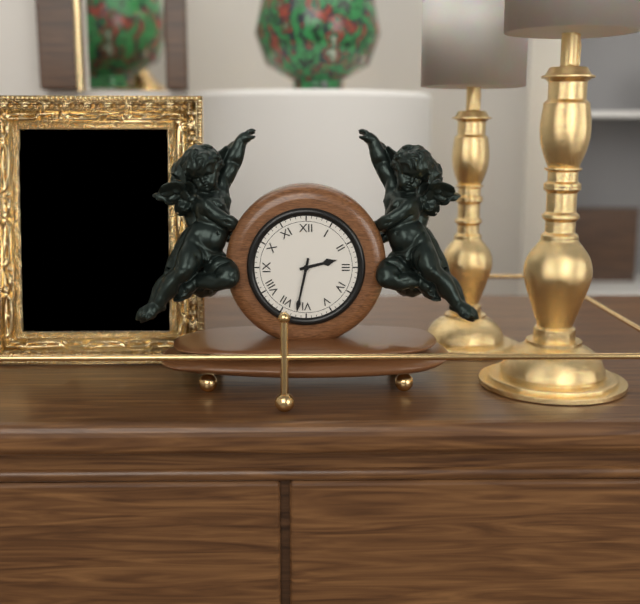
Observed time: 2:32
